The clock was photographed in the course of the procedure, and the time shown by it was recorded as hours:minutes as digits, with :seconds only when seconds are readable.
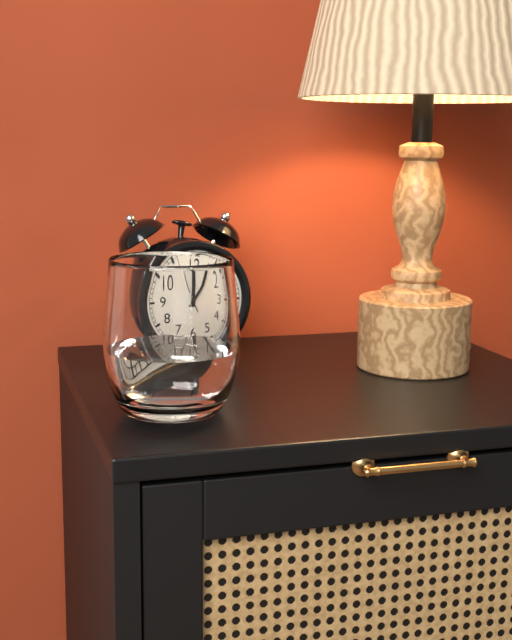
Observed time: 12:06:56
